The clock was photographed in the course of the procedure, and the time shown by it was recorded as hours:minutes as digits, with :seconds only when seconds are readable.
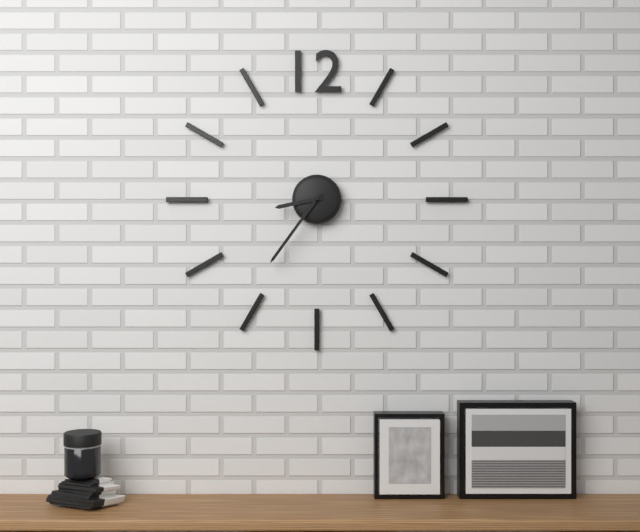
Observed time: 8:36
